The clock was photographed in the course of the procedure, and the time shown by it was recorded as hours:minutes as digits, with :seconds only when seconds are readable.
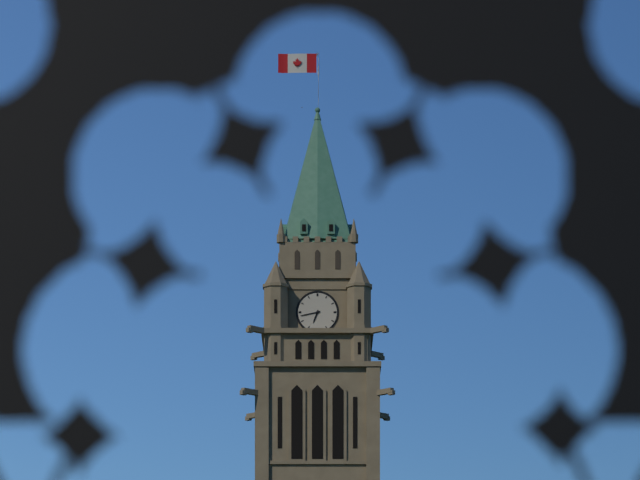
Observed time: 6:43
